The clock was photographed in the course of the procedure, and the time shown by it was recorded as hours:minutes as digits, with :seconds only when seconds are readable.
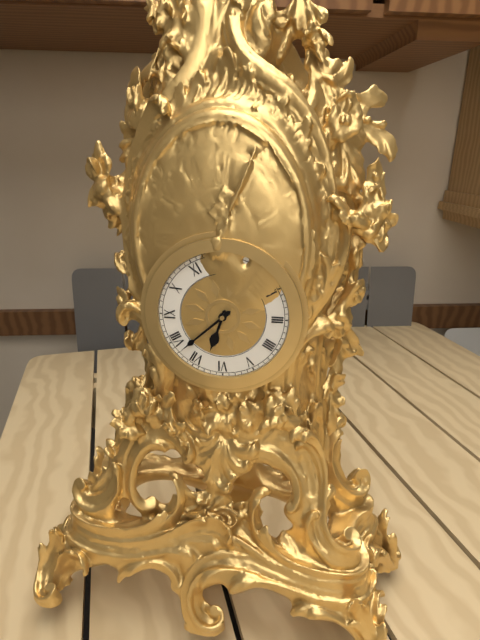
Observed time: 6:38
